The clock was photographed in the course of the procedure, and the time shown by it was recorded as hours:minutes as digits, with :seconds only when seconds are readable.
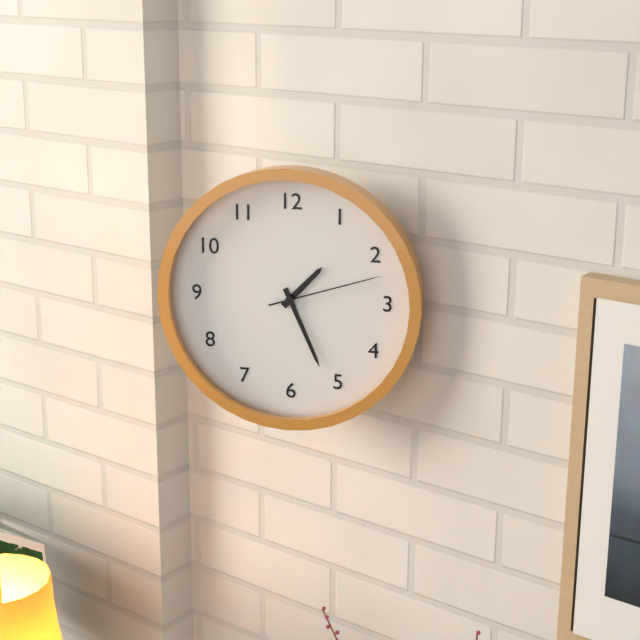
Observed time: 1:26:12
